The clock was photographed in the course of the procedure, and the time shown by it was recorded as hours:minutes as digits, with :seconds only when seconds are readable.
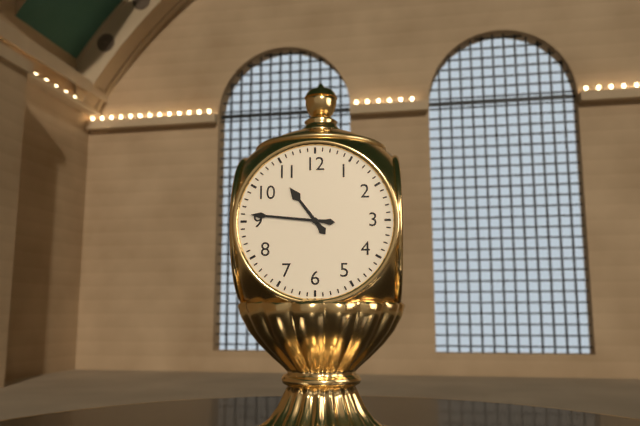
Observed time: 10:46
